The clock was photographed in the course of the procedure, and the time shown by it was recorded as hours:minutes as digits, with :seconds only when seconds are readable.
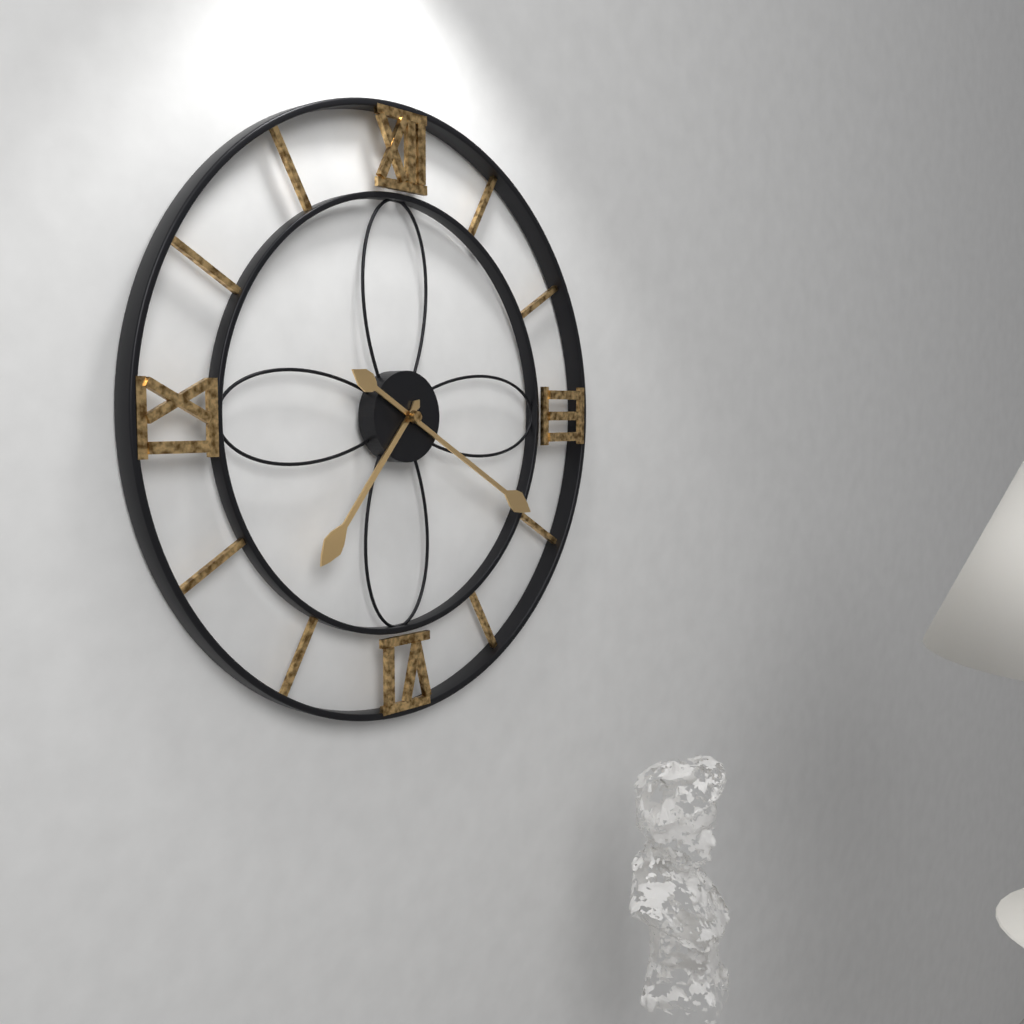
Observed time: 7:20
